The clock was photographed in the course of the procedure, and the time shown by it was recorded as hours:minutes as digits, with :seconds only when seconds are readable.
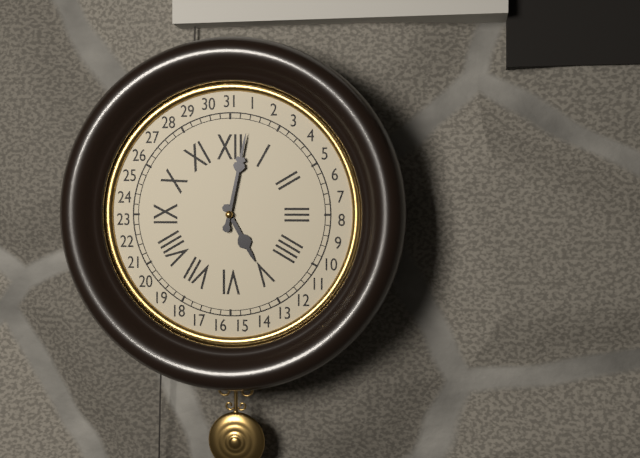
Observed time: 5:02
